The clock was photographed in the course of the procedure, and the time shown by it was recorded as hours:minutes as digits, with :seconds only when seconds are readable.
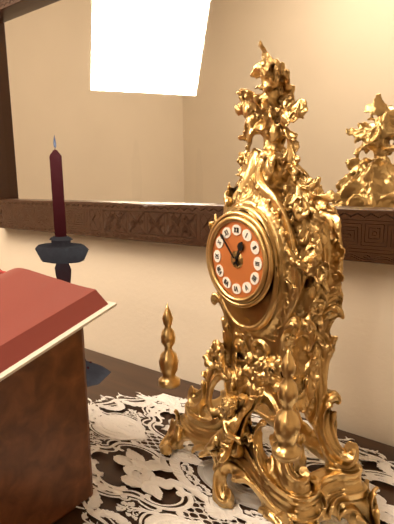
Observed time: 12:53
